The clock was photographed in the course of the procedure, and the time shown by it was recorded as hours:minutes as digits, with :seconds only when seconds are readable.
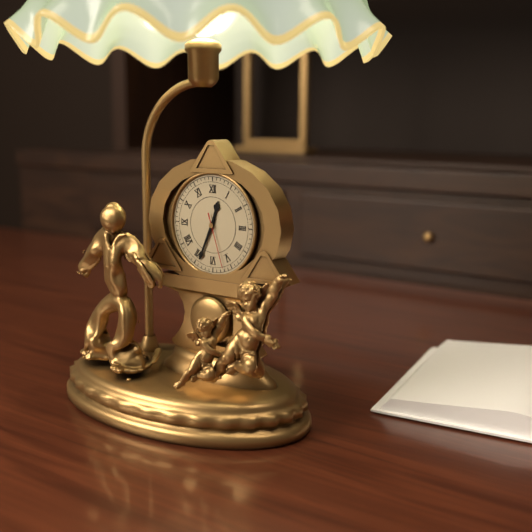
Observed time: 12:34:27
